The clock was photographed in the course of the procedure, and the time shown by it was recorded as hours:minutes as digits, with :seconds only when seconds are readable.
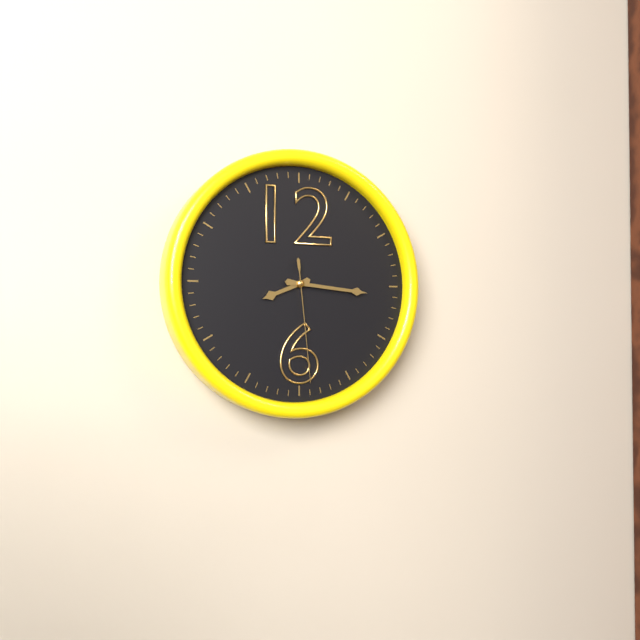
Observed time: 8:16:29
